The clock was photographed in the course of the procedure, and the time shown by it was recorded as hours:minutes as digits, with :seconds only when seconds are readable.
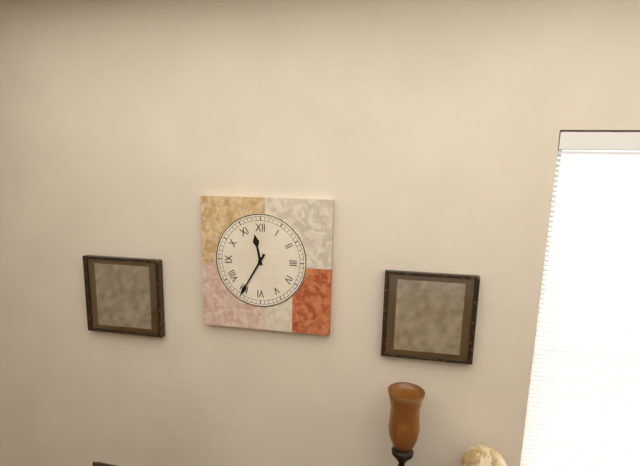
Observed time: 11:35
